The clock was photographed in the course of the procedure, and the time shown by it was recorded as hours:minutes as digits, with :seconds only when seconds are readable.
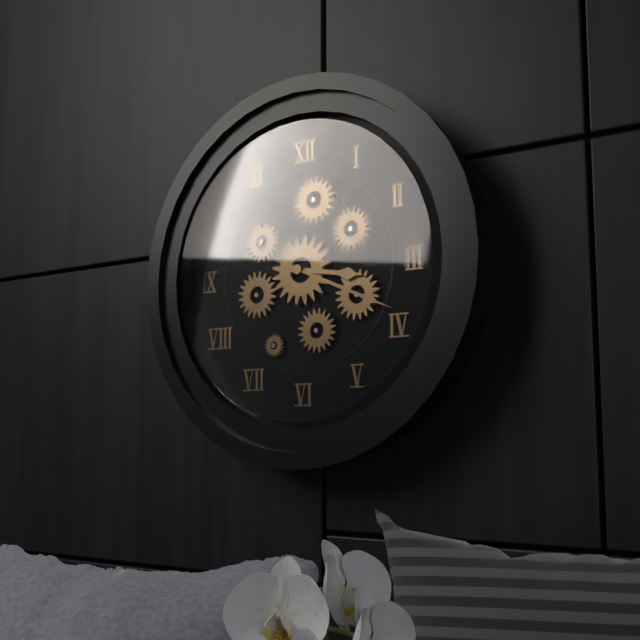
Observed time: 3:19
